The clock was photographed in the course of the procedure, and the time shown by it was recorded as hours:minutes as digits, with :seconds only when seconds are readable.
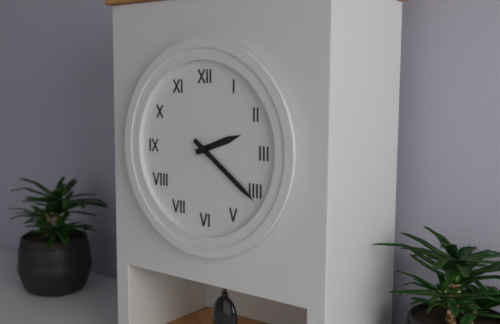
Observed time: 2:21
